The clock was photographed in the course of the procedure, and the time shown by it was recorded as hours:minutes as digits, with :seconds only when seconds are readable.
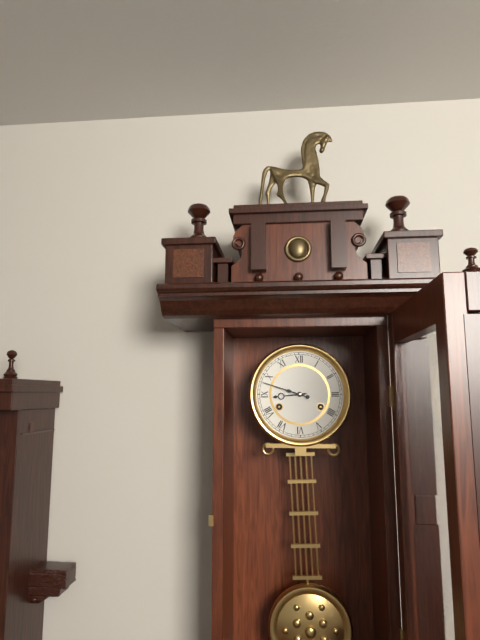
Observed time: 8:48
